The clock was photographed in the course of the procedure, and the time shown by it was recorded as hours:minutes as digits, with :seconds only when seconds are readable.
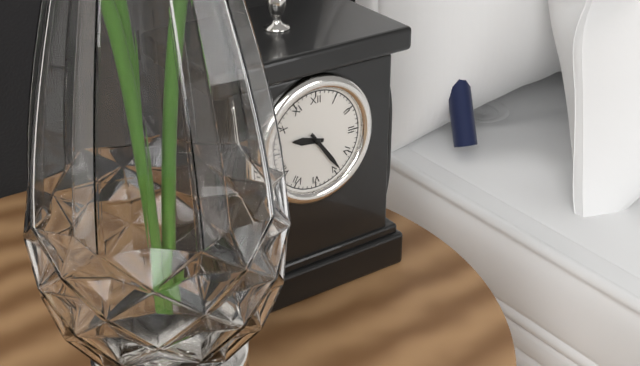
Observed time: 9:24
